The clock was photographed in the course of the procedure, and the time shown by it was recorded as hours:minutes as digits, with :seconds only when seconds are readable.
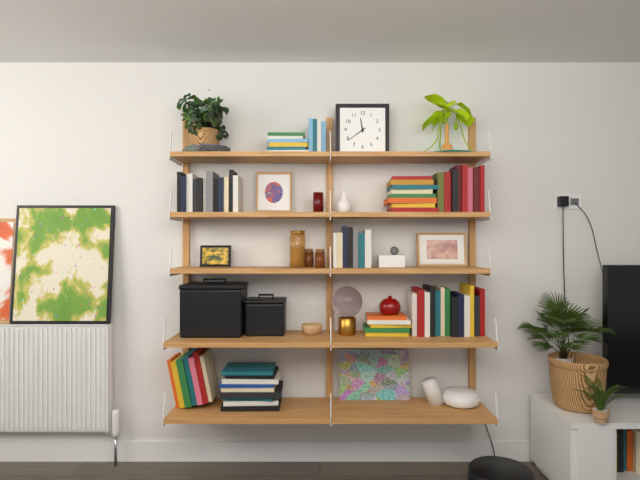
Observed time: 11:39
